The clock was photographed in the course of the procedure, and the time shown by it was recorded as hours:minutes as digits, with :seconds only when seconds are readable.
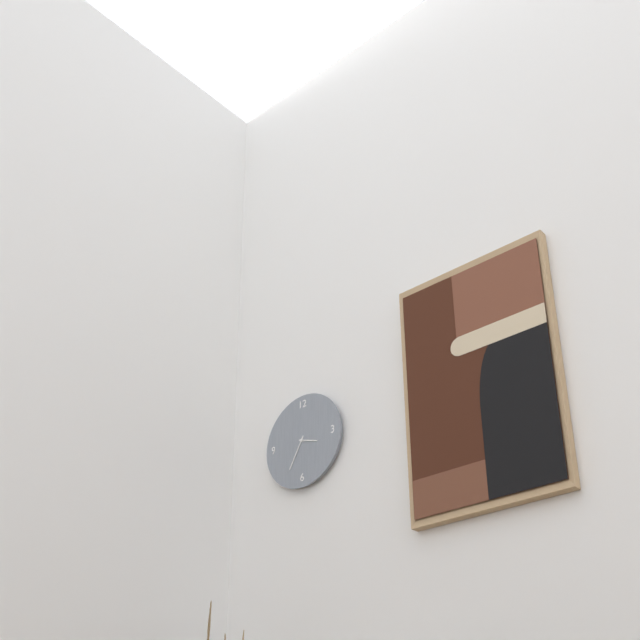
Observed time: 3:35
